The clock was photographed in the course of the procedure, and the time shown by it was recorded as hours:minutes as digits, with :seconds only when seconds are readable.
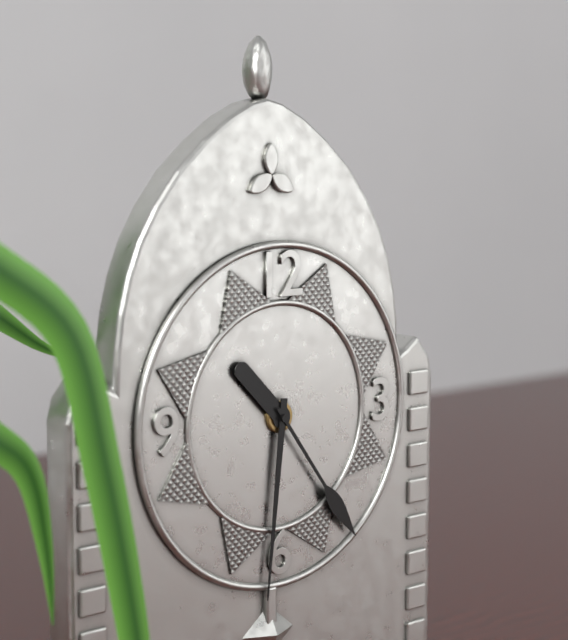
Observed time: 10:31:24
